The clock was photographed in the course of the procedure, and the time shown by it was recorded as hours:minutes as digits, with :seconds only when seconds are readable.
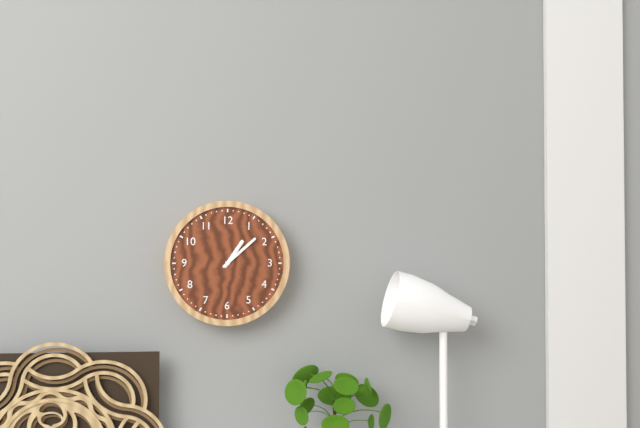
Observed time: 1:08
